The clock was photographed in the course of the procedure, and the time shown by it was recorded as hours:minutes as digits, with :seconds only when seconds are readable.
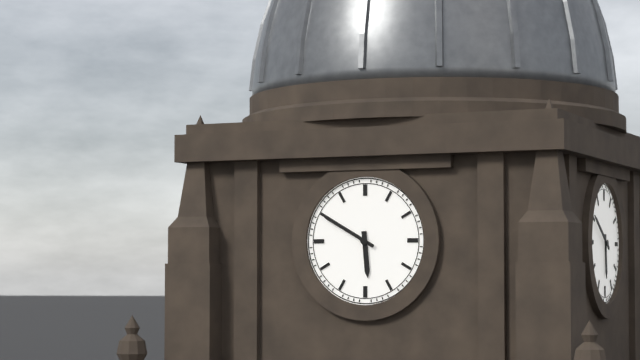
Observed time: 5:50
